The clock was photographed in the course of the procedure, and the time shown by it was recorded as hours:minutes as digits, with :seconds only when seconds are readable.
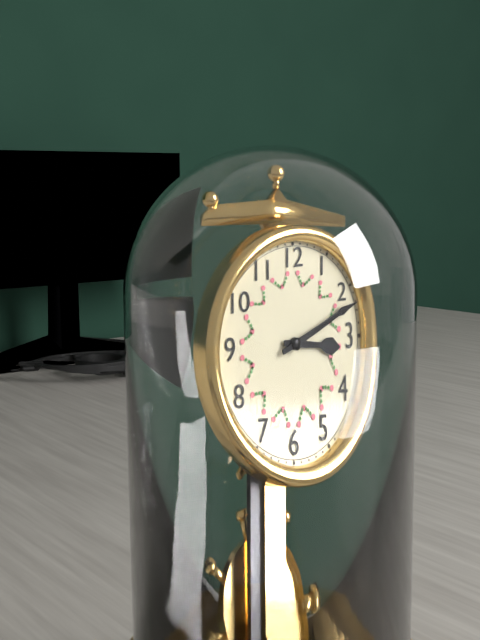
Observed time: 3:12
